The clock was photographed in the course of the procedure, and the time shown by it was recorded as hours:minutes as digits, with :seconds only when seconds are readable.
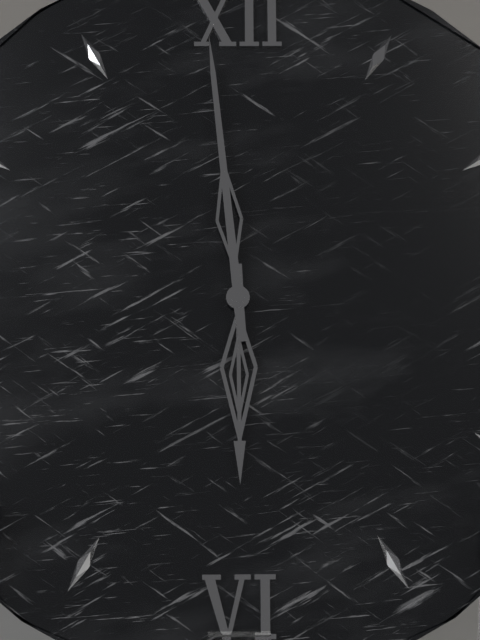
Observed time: 5:59
